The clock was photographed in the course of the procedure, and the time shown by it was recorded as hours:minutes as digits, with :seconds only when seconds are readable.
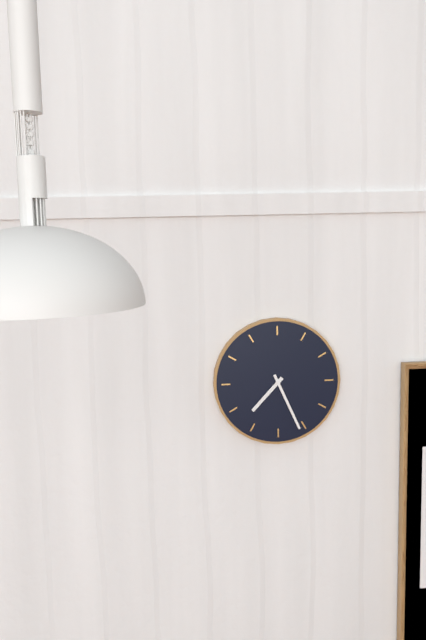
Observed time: 7:26
